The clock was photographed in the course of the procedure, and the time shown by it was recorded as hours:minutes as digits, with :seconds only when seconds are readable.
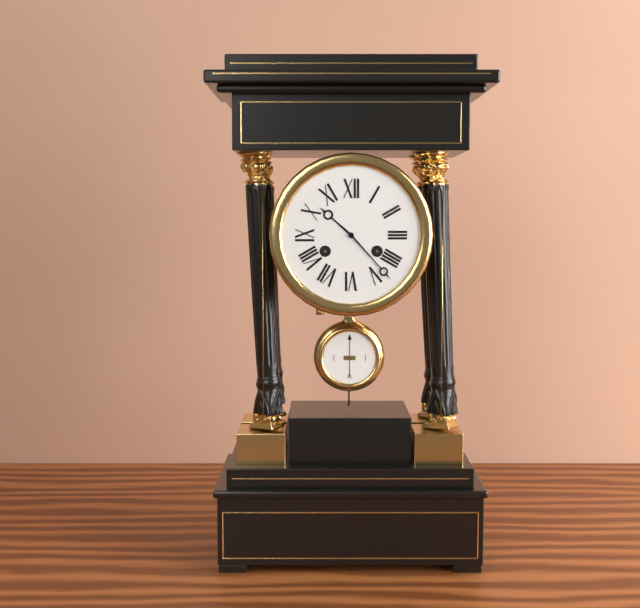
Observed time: 10:23
